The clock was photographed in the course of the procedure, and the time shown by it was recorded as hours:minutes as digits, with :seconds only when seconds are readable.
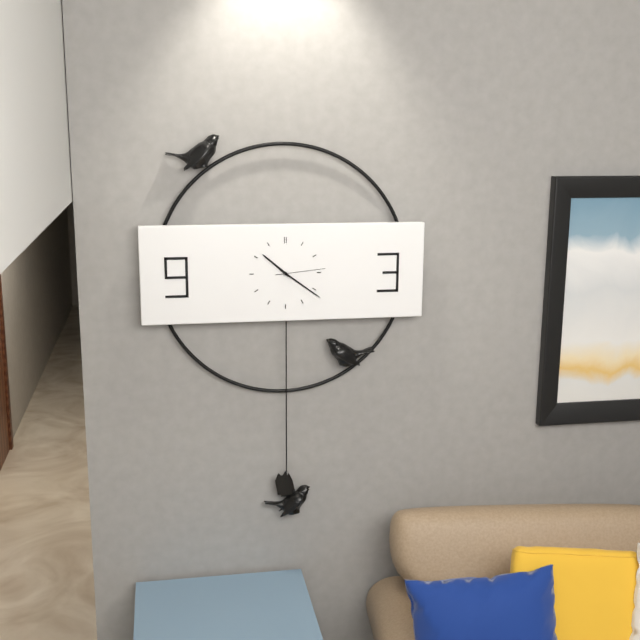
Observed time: 10:21:14
